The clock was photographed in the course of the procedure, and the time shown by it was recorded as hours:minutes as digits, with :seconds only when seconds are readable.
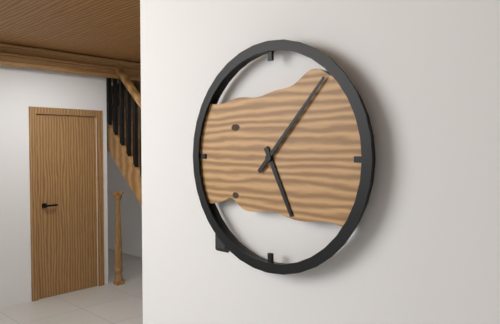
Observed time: 5:07
